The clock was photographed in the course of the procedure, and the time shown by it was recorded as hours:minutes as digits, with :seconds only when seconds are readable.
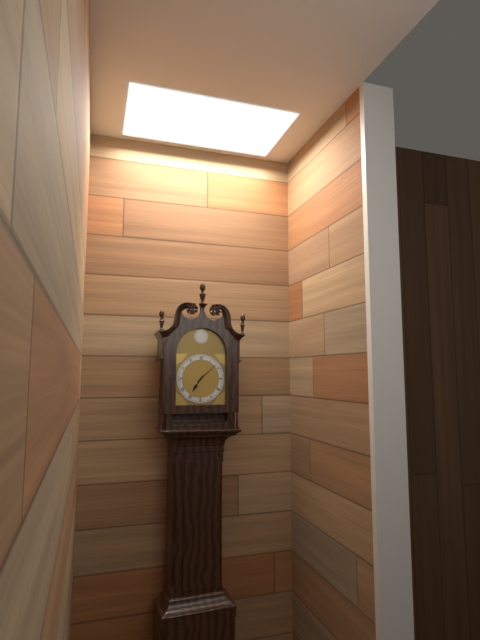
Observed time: 7:08
